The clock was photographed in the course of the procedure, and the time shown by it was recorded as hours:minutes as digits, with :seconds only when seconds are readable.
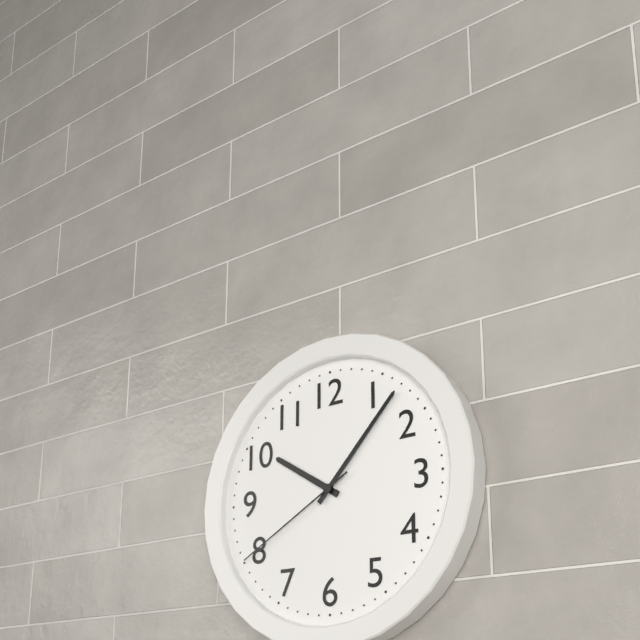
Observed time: 10:07:40
